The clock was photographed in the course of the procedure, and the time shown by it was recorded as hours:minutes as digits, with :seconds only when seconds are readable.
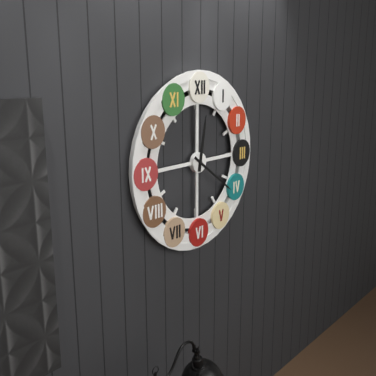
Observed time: 12:21
